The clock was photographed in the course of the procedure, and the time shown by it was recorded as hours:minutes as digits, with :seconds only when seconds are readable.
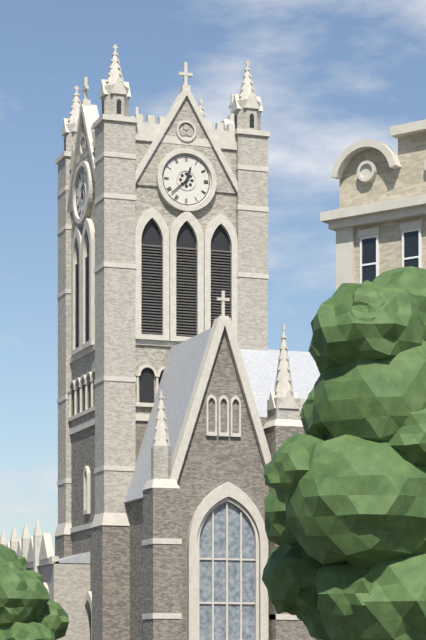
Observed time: 12:38
